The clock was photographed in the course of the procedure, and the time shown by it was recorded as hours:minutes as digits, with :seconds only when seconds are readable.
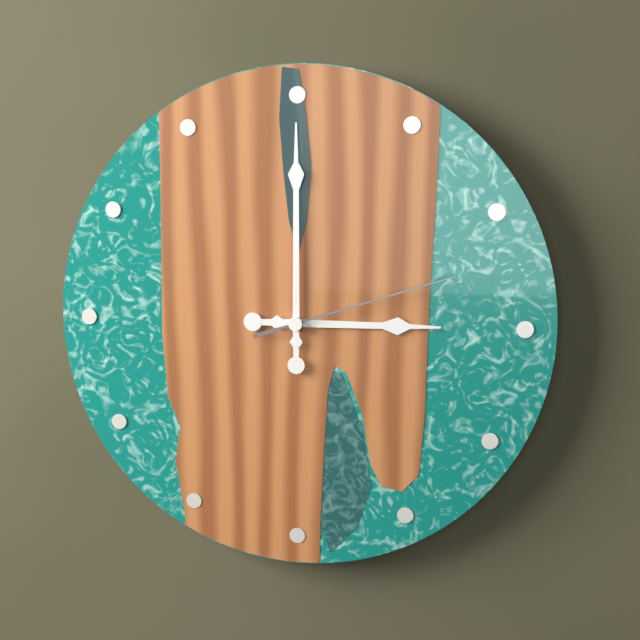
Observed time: 3:00:12
